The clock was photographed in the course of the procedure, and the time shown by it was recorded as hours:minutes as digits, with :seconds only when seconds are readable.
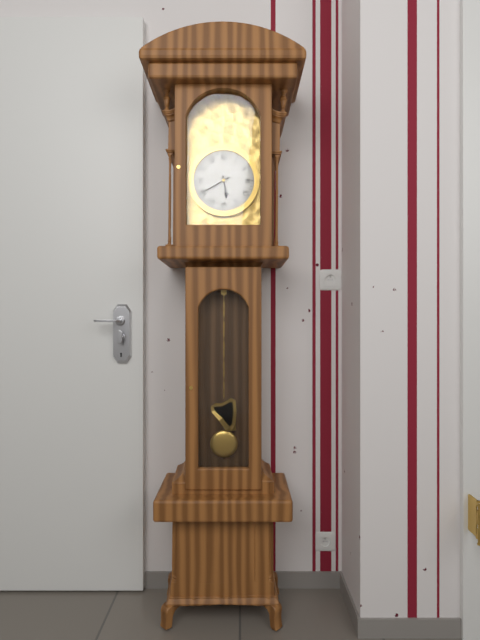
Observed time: 5:40
